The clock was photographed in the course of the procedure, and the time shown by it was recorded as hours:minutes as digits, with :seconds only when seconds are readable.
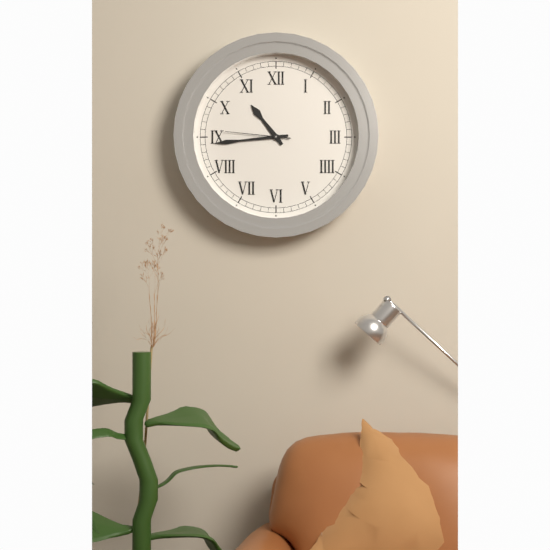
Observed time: 10:44:46
